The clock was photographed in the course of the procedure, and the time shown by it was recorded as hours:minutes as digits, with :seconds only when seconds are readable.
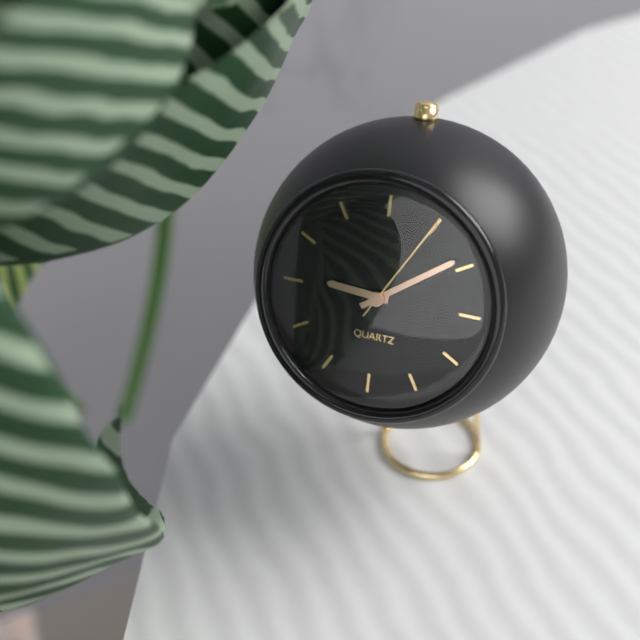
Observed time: 9:09:05
